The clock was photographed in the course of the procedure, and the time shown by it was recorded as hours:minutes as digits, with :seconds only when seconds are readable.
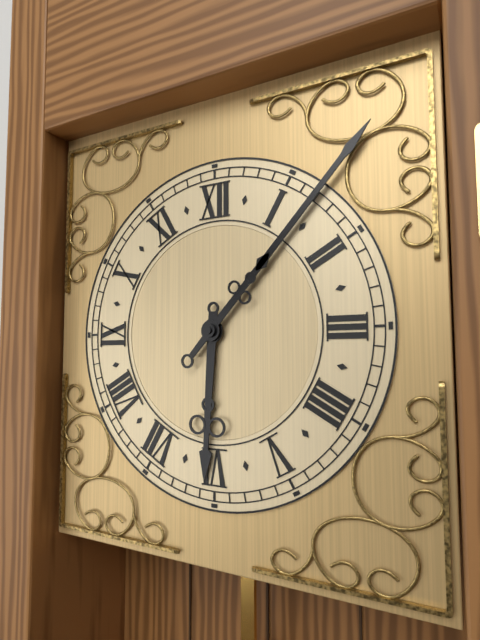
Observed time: 6:07
